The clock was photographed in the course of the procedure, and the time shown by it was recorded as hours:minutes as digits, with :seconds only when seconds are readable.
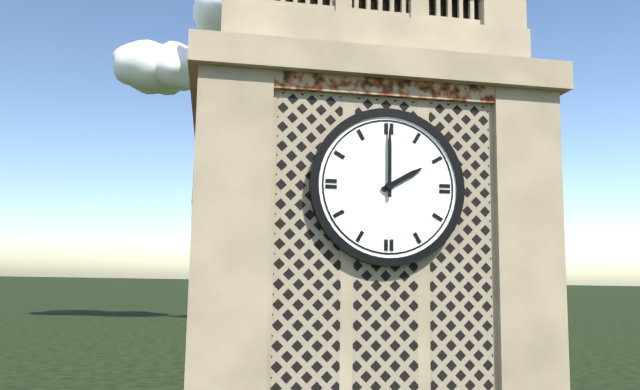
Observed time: 2:00
